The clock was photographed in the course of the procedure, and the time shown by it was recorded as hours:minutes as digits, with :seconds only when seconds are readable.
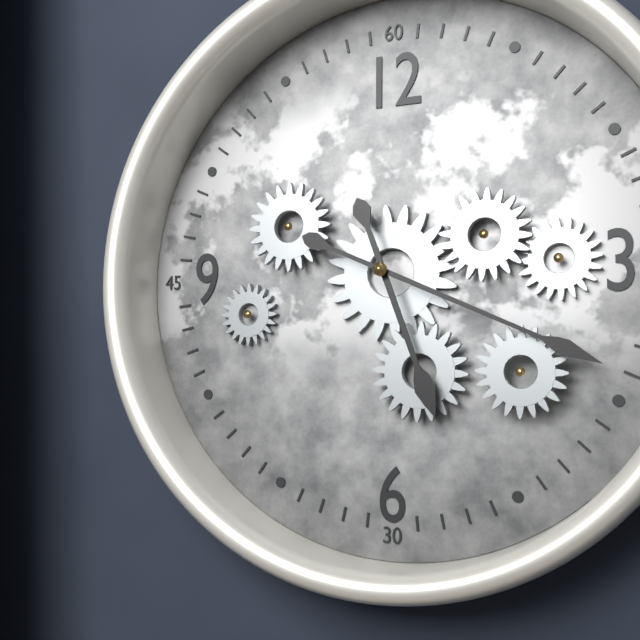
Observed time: 5:19
